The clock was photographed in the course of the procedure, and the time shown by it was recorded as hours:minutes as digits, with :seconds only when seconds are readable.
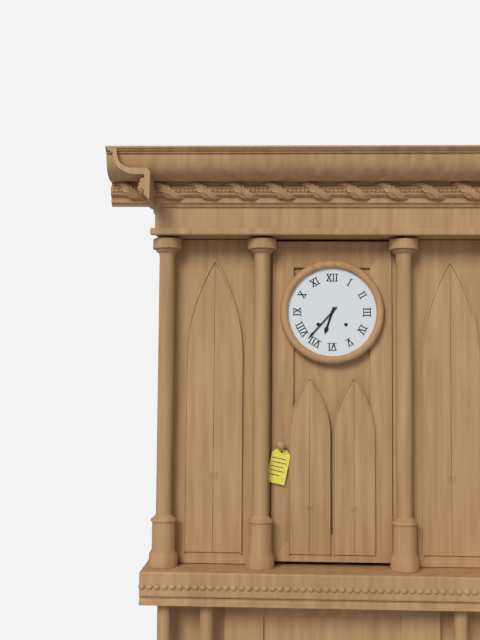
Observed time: 6:37
